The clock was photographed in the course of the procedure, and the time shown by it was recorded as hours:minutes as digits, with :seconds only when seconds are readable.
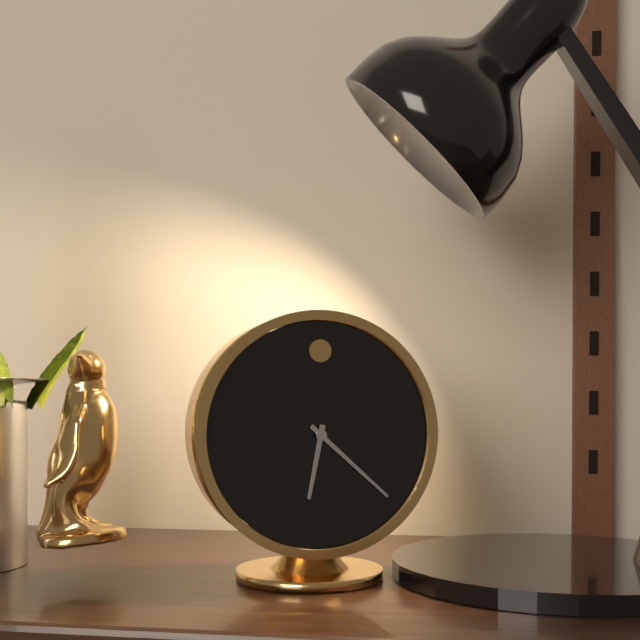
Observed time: 6:22
